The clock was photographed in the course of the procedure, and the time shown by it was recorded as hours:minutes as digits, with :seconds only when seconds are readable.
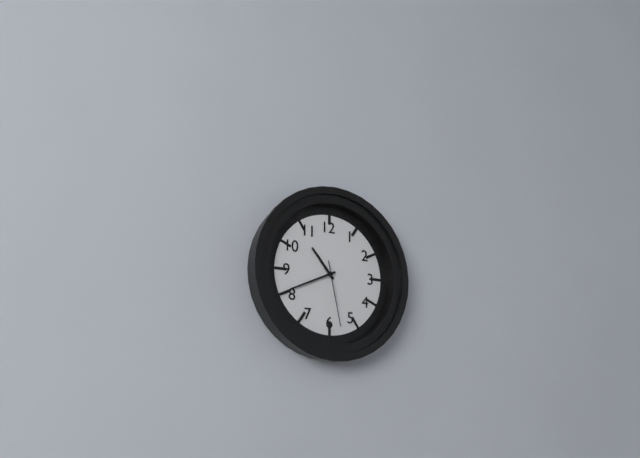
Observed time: 10:41:28
